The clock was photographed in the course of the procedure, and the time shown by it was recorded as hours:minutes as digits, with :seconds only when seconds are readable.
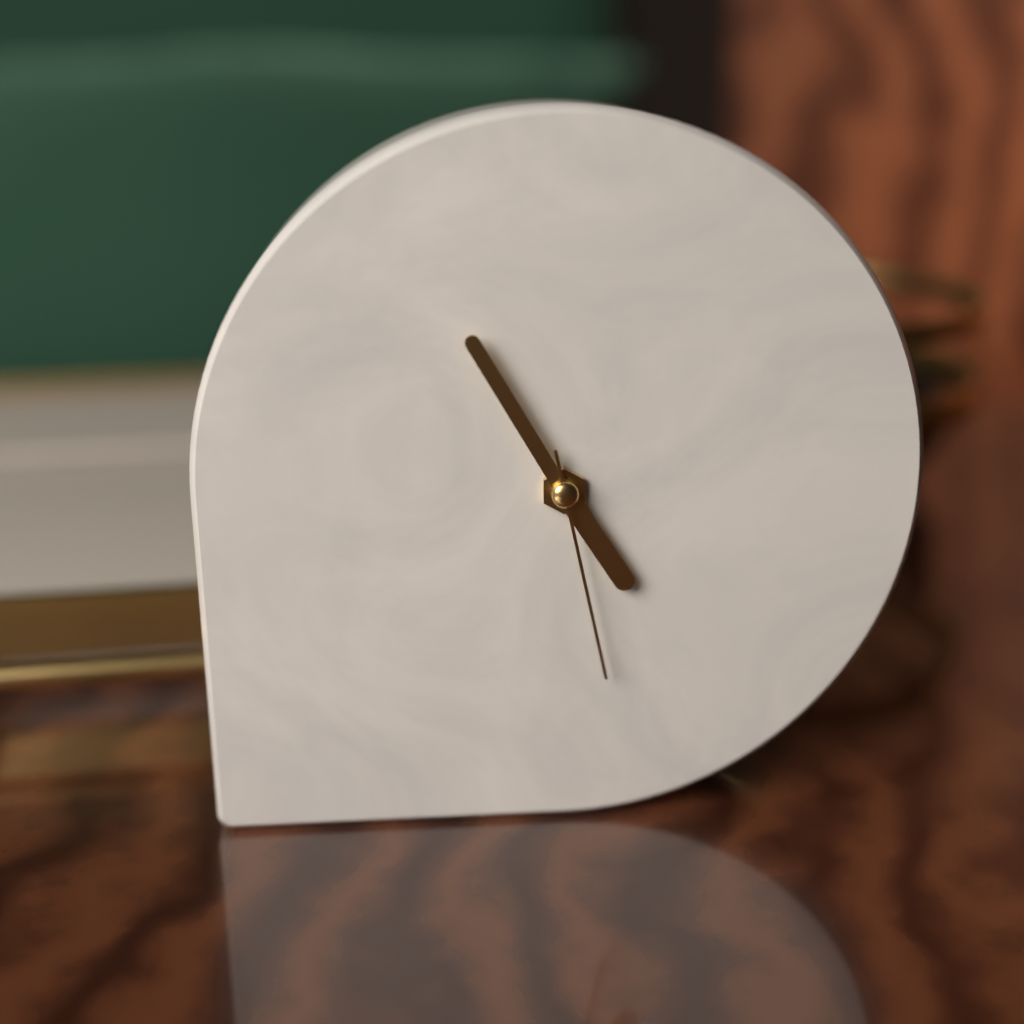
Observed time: 4:55:28
